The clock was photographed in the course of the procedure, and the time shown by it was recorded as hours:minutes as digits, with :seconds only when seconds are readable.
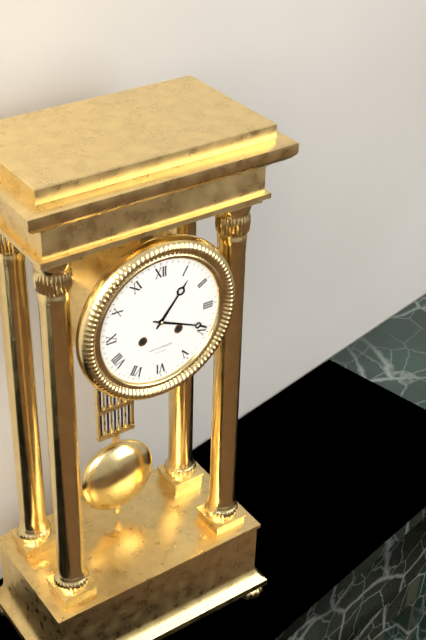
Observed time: 1:19
